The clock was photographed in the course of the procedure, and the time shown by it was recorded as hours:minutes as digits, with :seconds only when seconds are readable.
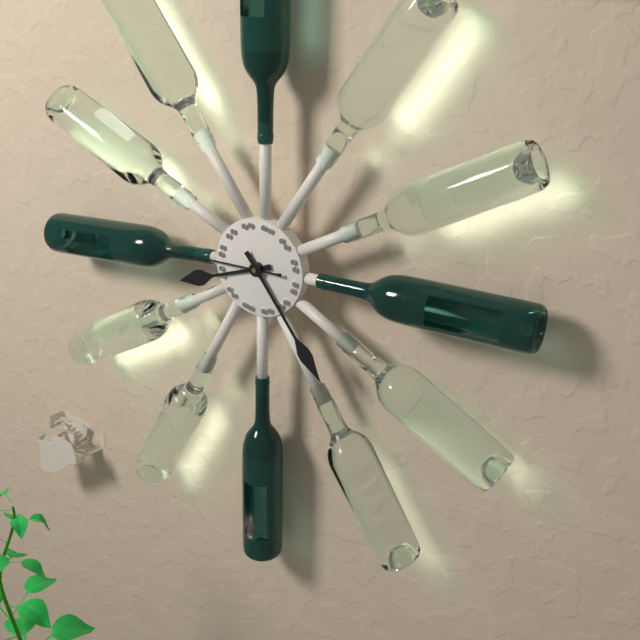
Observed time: 8:24:45
